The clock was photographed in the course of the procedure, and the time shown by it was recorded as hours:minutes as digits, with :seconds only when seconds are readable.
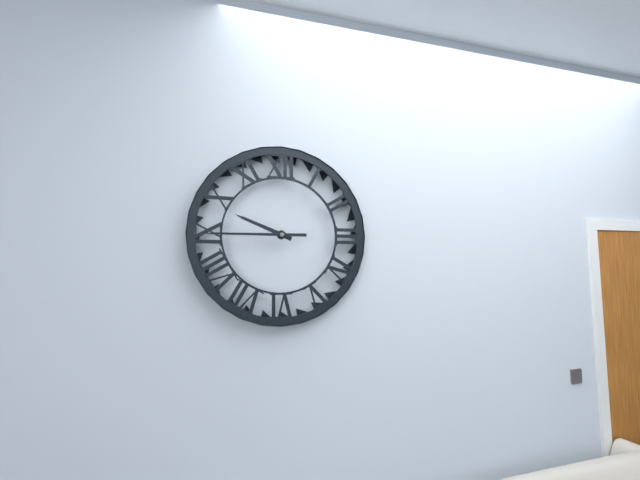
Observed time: 9:45
